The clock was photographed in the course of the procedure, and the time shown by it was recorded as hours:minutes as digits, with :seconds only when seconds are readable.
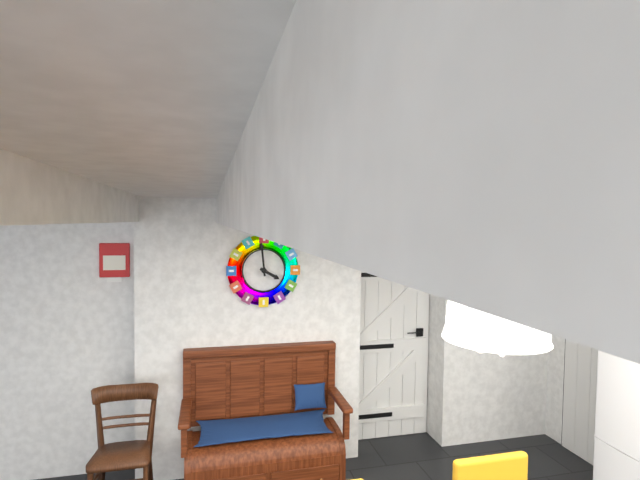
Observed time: 3:59
